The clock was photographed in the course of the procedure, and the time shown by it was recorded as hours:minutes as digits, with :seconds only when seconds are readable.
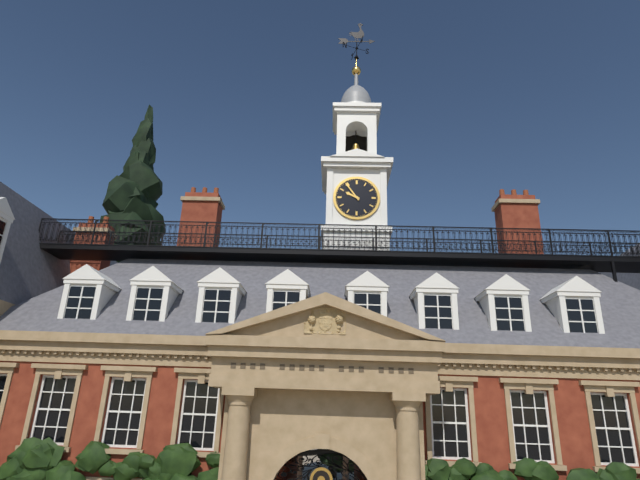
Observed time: 9:54
